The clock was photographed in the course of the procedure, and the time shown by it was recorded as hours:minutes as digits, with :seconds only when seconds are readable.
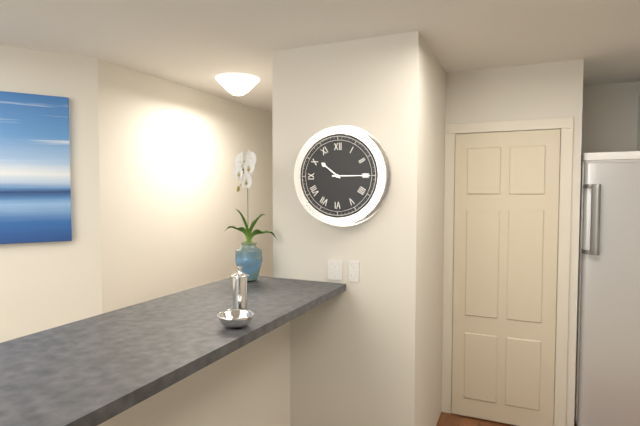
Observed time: 10:15
